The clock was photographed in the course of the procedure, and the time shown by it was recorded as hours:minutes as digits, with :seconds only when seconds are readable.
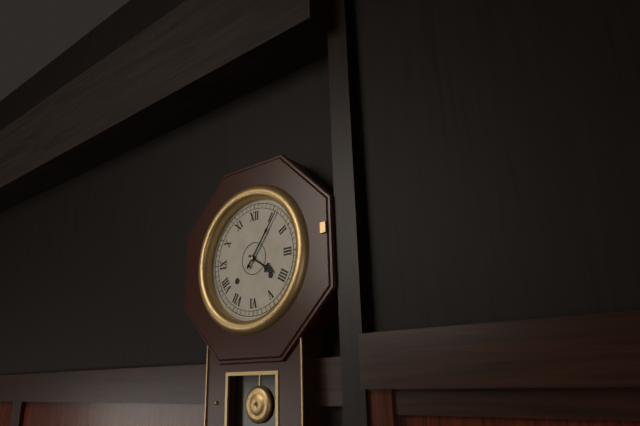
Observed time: 4:06
